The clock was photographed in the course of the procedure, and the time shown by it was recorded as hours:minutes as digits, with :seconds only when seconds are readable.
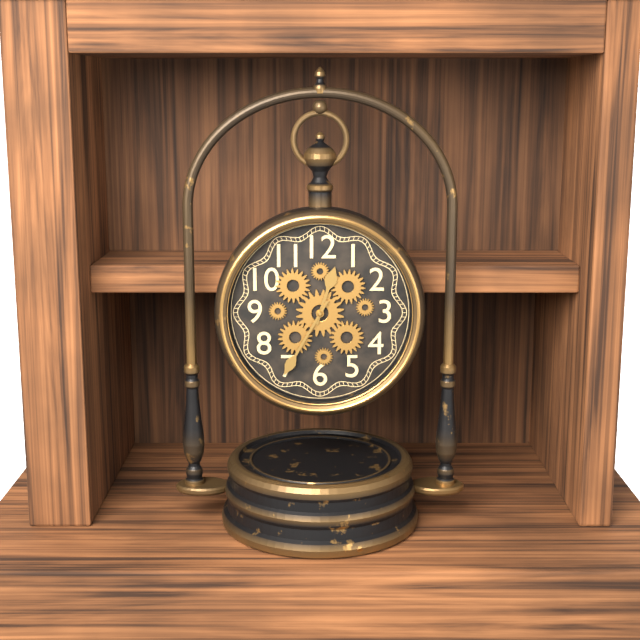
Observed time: 12:35
